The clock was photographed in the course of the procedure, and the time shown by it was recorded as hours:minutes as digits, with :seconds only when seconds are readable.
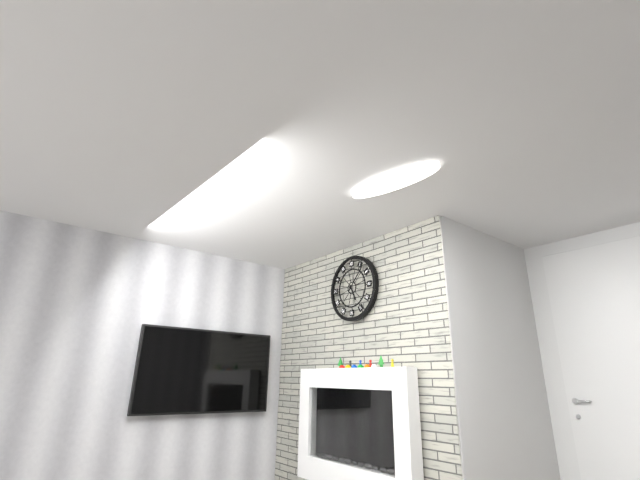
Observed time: 5:07
